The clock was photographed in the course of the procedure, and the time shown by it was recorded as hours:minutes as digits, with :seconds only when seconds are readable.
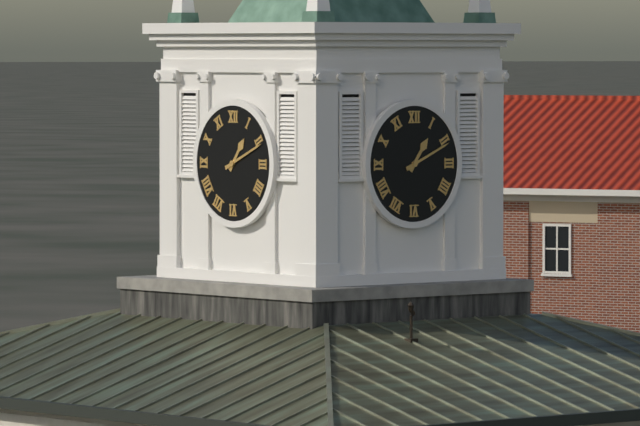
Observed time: 1:11
